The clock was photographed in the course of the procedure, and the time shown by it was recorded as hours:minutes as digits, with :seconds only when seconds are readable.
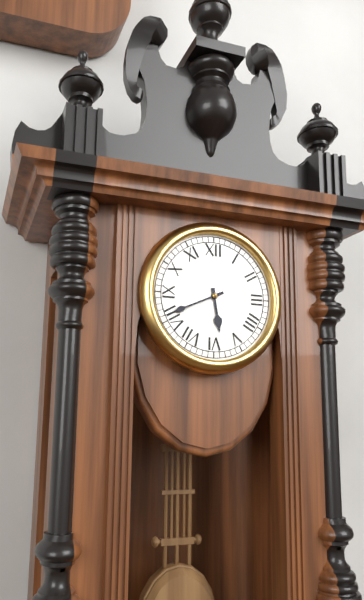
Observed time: 5:41
